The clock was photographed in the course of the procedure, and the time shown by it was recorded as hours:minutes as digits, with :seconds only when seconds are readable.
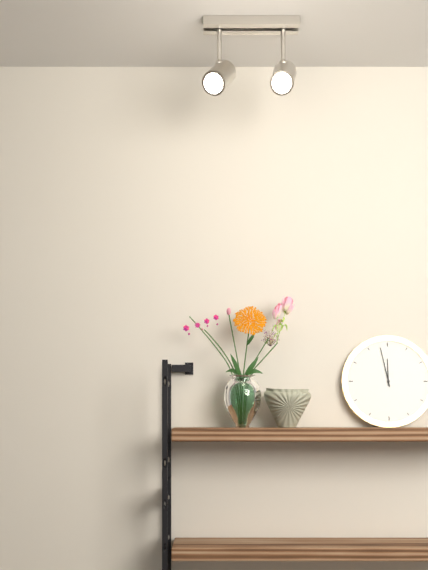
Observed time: 11:58
